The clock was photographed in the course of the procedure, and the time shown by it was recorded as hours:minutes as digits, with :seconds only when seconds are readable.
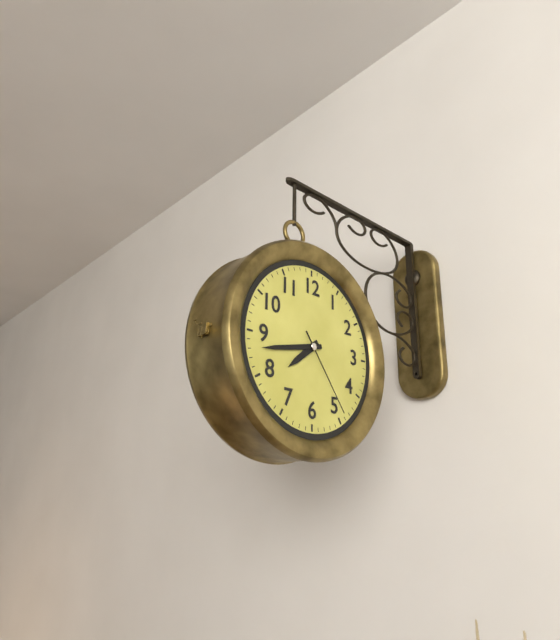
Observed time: 7:43:24
